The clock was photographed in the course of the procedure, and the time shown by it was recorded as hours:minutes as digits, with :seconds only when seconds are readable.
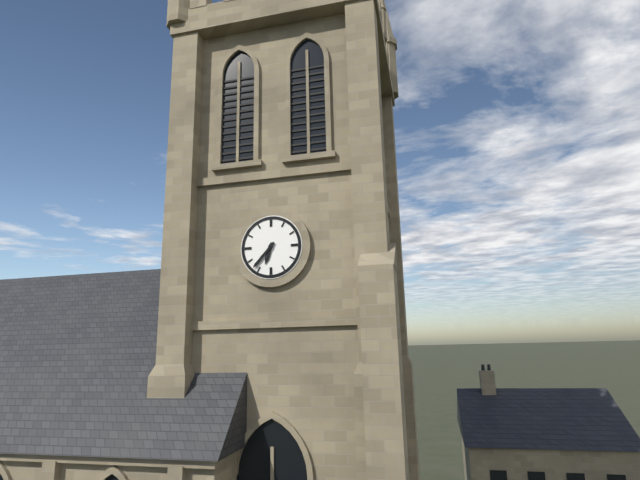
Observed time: 6:37
